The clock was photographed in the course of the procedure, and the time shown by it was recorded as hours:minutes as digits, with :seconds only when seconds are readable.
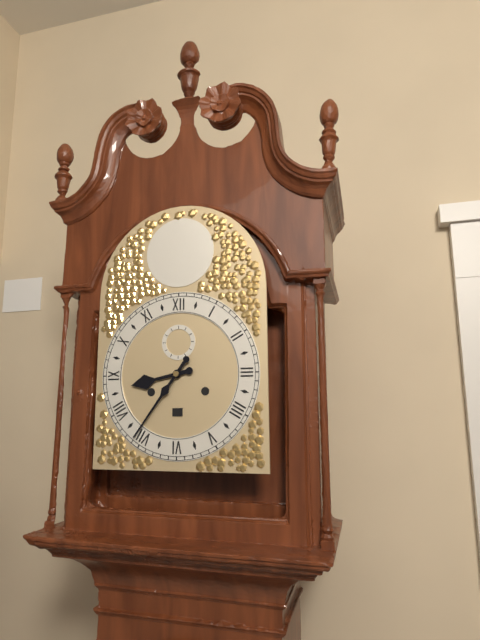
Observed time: 8:36
